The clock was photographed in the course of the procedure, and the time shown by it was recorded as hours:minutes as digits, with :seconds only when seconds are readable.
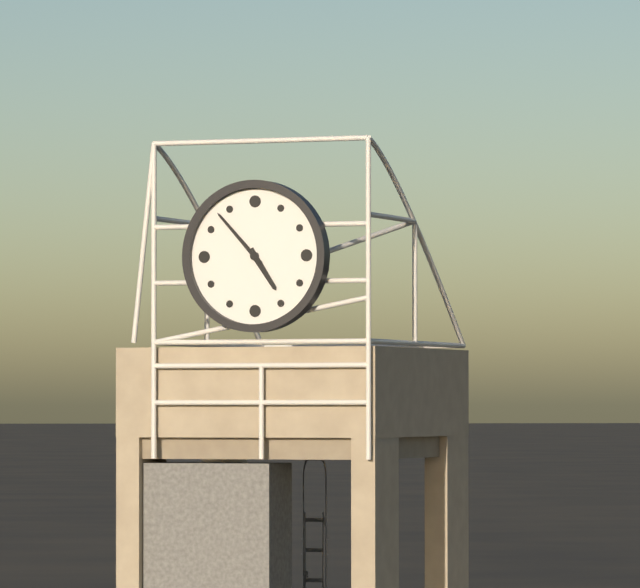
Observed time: 4:53
